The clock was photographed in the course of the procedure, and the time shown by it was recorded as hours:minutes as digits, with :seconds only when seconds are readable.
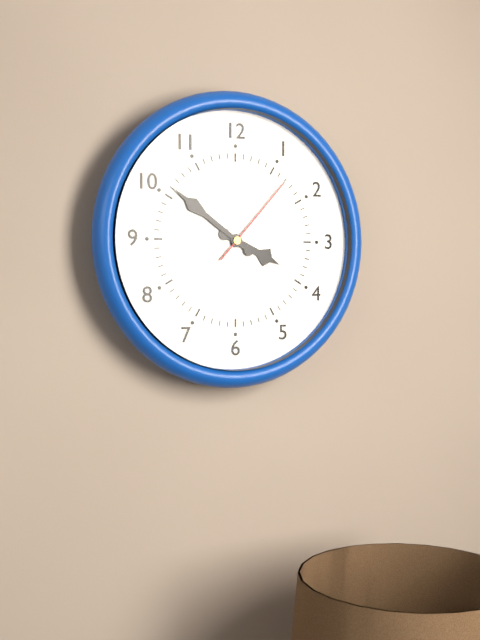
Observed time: 3:51:07
